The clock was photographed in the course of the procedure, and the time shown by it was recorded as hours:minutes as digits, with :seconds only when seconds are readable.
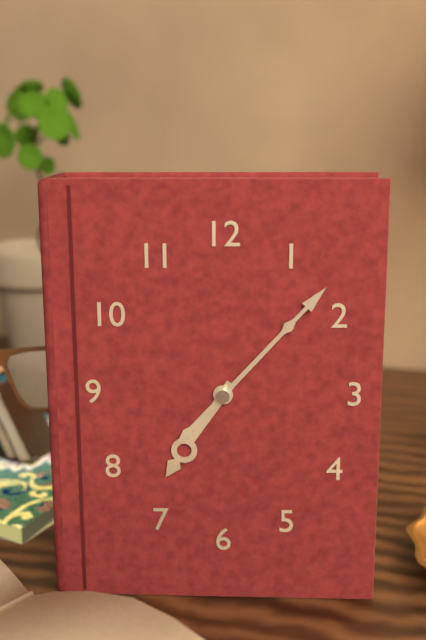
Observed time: 7:07
